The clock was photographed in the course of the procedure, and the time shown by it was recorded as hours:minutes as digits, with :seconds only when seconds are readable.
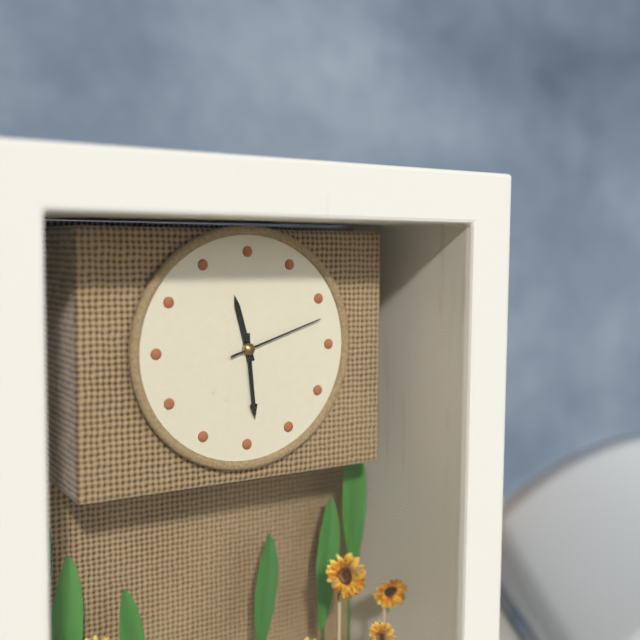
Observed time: 11:29:12
